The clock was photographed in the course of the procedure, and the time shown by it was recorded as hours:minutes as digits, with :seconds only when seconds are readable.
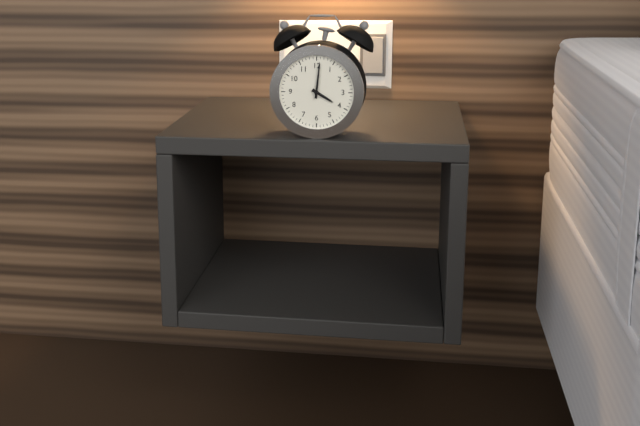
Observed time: 4:01
